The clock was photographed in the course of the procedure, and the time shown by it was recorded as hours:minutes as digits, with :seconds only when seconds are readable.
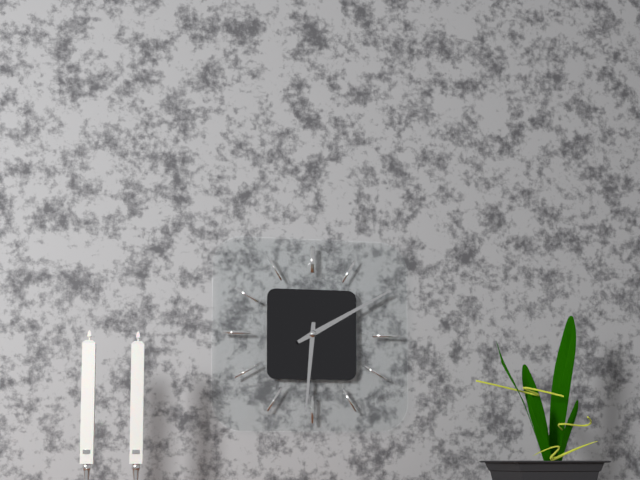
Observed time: 6:10
